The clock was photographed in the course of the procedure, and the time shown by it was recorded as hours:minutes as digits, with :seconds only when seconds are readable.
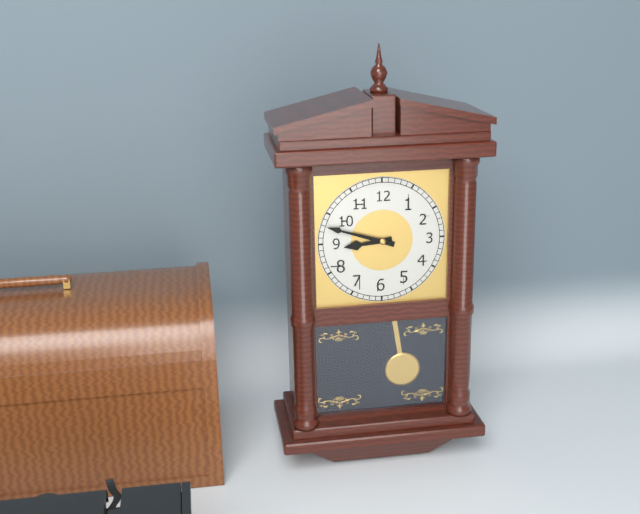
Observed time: 8:48
